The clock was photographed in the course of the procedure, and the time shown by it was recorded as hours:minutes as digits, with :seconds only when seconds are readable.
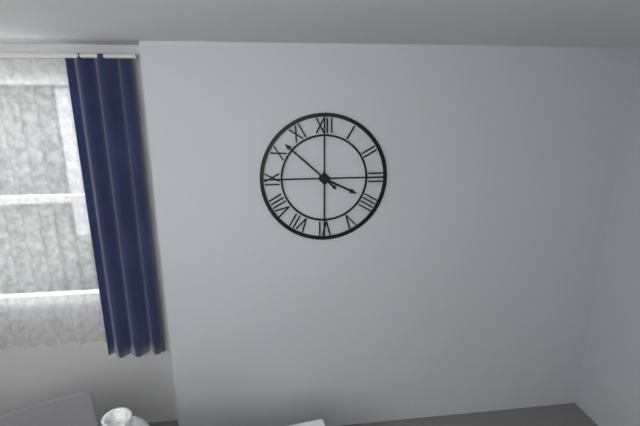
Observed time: 3:52
